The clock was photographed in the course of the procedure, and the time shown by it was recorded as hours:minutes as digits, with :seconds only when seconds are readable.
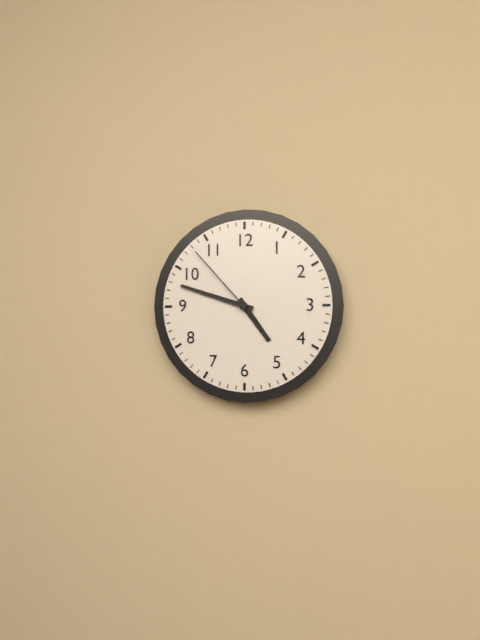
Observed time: 4:48:53
